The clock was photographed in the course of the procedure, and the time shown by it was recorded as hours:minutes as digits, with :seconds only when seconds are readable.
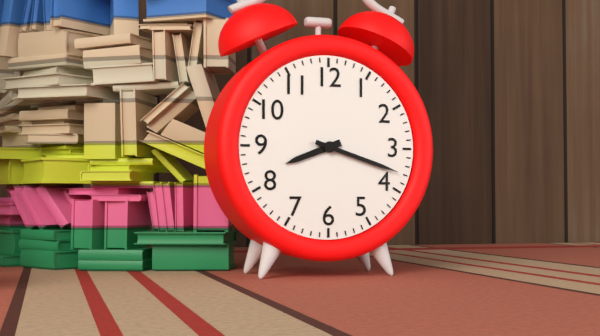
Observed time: 8:18
